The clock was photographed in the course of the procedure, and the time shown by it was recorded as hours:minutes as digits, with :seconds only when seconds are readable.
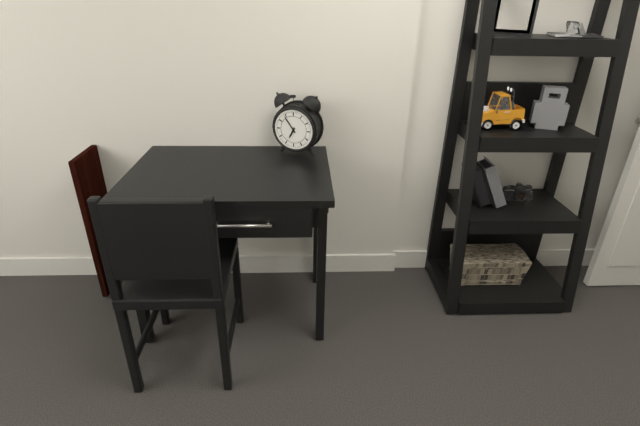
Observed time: 6:54
